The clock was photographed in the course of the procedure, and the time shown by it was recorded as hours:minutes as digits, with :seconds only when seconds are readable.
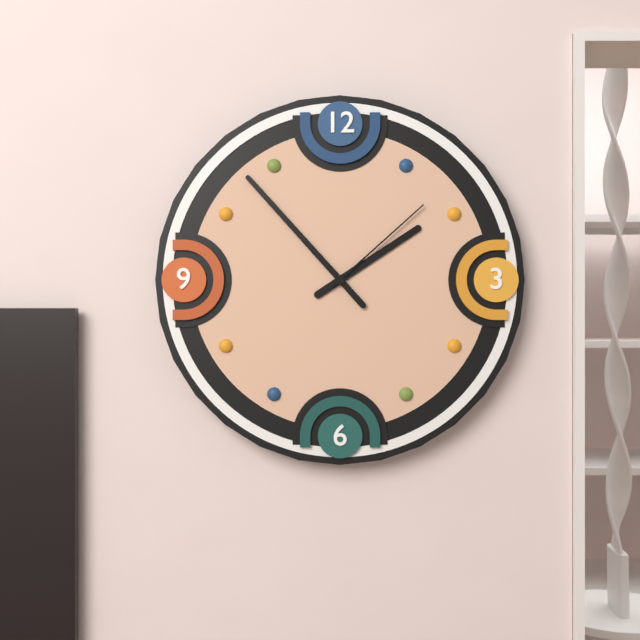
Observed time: 1:53:08
